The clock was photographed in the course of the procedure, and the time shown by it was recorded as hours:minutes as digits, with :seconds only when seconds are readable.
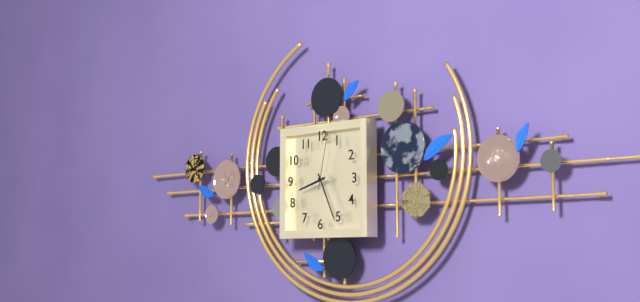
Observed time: 8:26:02
